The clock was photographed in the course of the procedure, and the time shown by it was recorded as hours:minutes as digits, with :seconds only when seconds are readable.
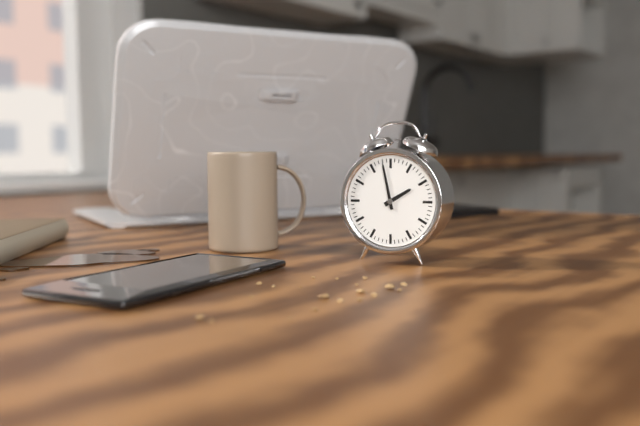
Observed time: 1:58
